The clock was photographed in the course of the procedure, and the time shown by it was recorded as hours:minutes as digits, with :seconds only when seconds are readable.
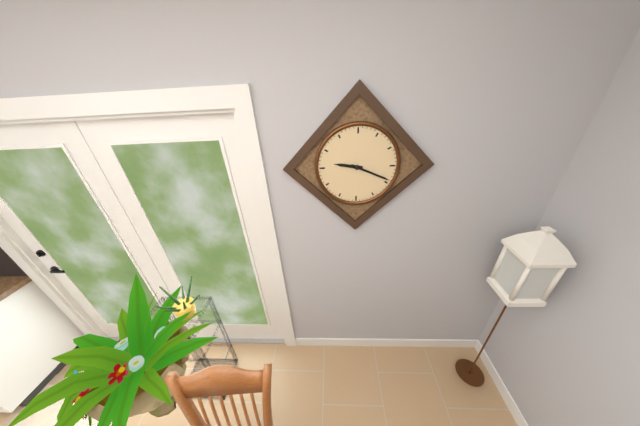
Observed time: 9:19
